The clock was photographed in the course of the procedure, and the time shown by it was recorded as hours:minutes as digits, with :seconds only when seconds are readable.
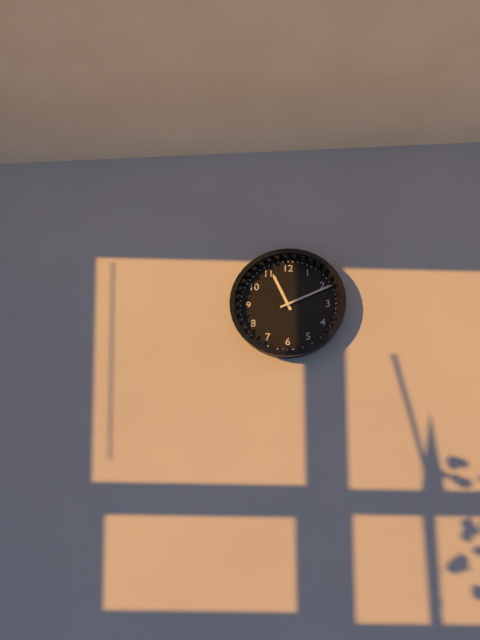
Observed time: 11:11
